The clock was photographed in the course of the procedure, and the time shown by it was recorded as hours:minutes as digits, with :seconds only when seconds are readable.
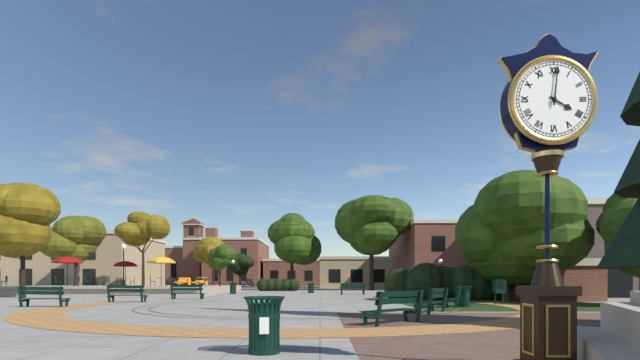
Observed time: 4:01
